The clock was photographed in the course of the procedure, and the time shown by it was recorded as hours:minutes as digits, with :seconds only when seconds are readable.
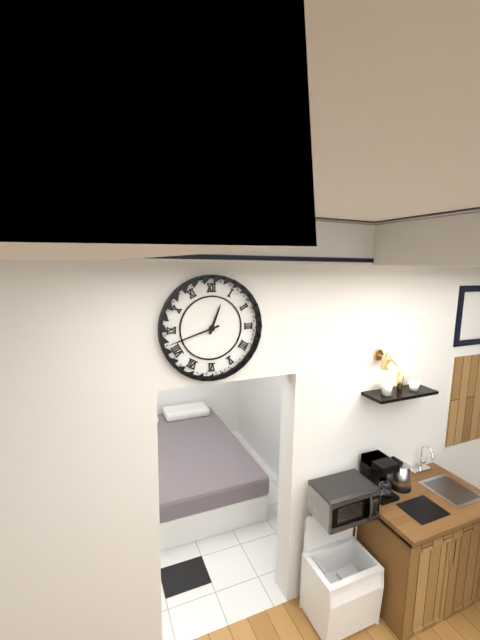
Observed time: 12:42
